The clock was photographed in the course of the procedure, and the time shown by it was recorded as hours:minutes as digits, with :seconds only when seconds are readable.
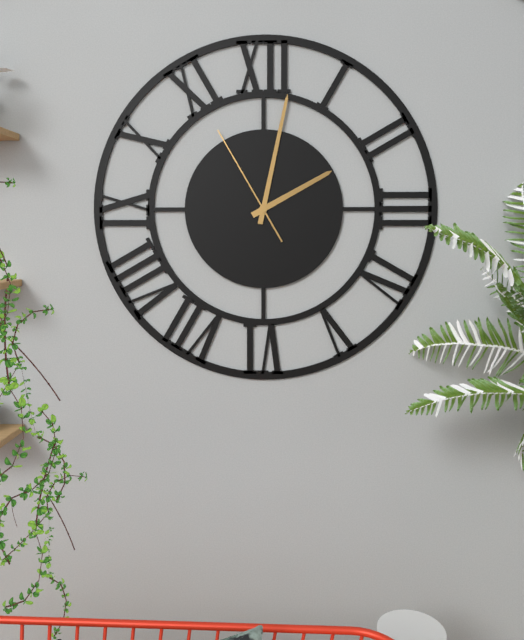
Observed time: 2:02:55
